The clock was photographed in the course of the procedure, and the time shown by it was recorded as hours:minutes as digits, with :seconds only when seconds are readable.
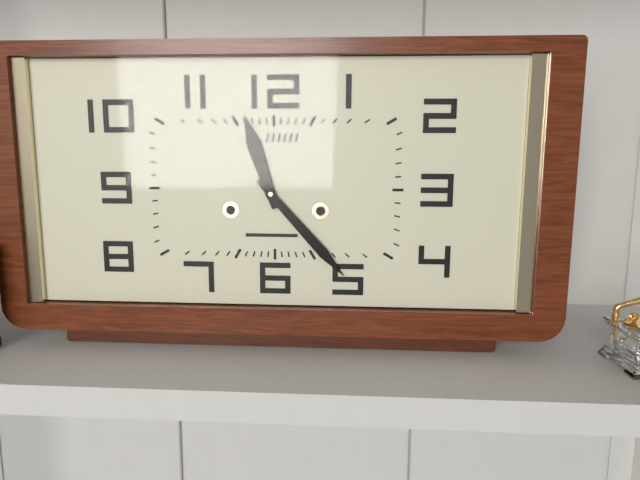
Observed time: 11:23
